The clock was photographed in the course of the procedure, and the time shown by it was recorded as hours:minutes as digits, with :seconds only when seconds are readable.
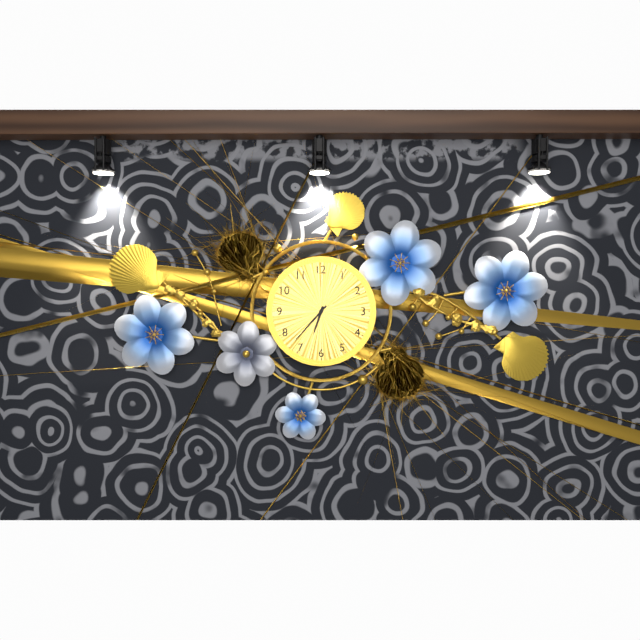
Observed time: 6:37
